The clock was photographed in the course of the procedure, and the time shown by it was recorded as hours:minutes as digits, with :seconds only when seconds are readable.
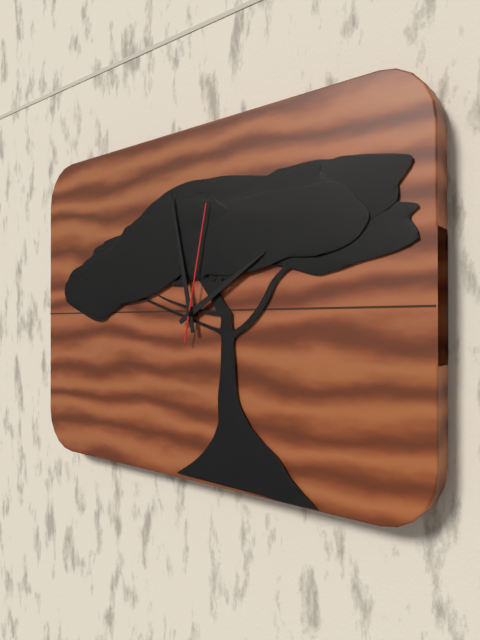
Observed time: 1:58:02
